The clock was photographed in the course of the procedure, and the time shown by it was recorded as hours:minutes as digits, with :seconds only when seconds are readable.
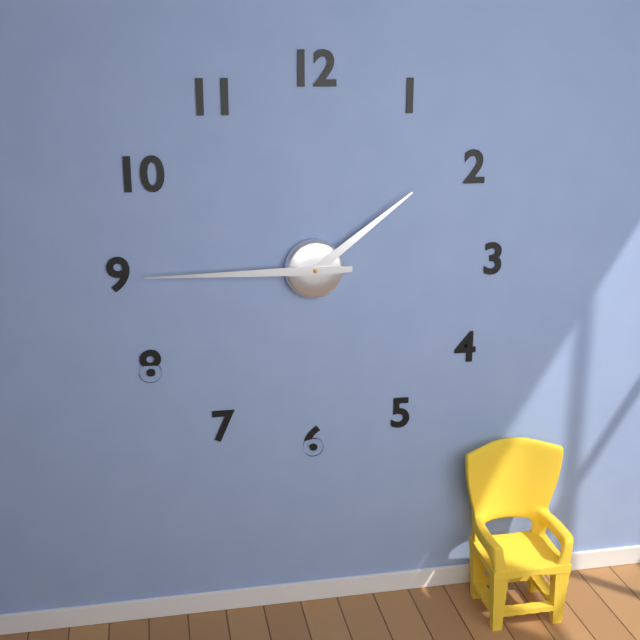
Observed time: 1:45
